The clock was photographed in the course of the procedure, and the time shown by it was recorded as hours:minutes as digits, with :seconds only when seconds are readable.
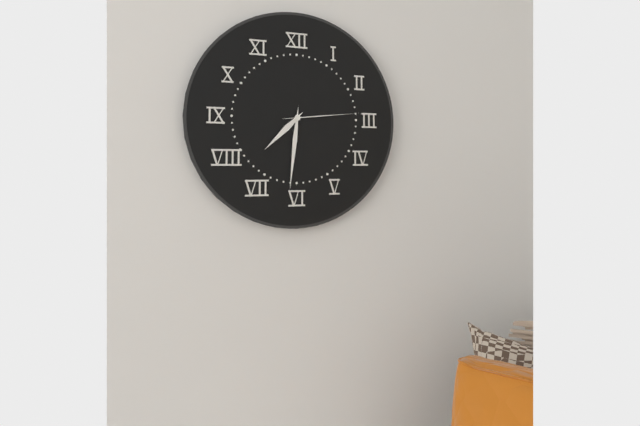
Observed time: 7:31:14
